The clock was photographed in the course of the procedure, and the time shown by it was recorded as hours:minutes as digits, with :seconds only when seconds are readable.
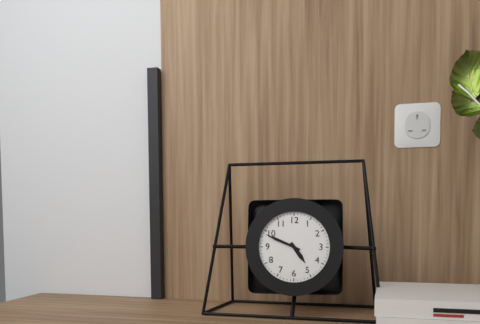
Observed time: 4:49
